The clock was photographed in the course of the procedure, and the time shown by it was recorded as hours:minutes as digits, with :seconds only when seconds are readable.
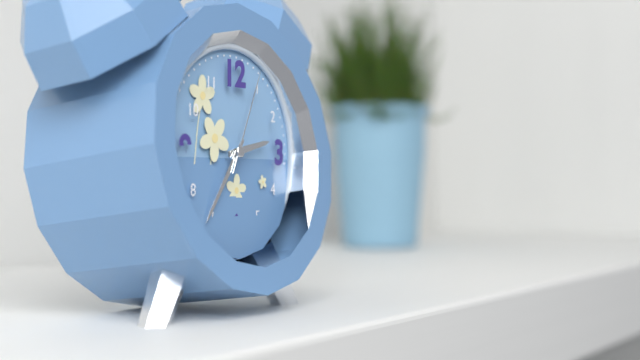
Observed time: 2:36:04
